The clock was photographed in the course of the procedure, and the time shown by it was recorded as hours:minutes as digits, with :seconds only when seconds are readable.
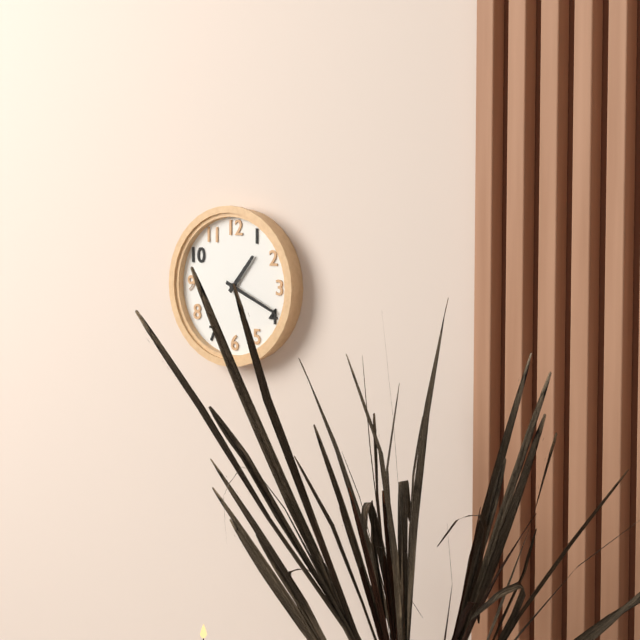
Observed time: 1:19
